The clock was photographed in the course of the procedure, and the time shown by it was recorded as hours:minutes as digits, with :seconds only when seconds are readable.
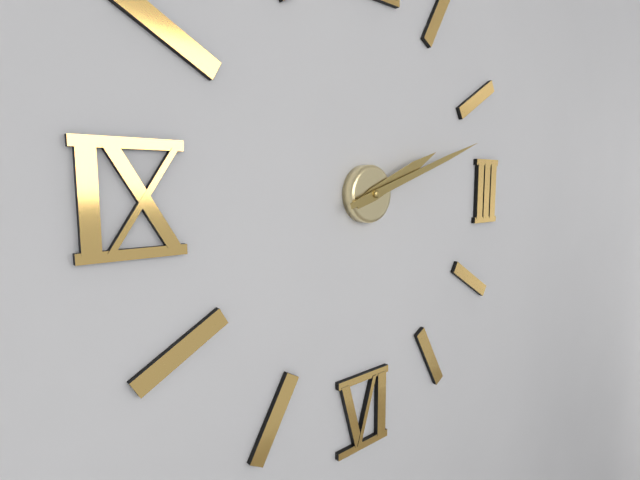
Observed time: 2:12
